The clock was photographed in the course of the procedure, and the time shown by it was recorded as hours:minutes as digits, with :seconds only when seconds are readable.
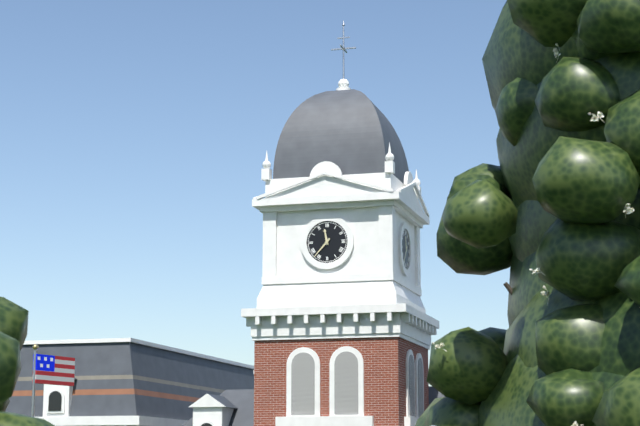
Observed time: 11:37
